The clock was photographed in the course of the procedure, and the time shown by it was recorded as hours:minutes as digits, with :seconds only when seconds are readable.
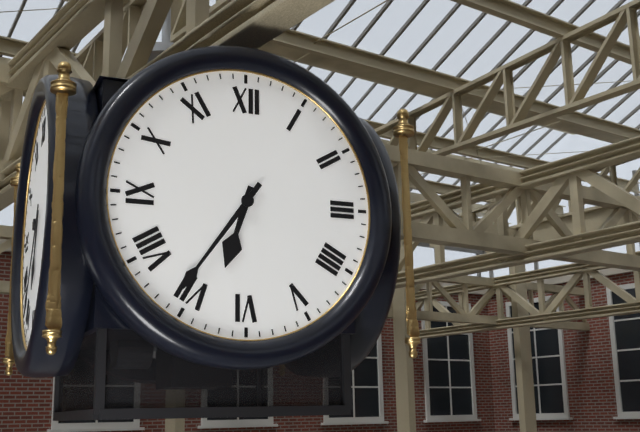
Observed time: 6:36
